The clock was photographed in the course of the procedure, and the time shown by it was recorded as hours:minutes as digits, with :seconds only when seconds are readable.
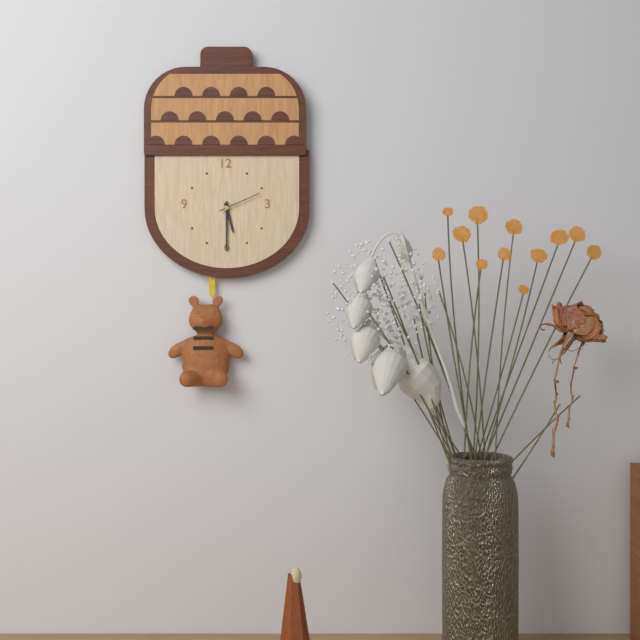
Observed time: 5:30
